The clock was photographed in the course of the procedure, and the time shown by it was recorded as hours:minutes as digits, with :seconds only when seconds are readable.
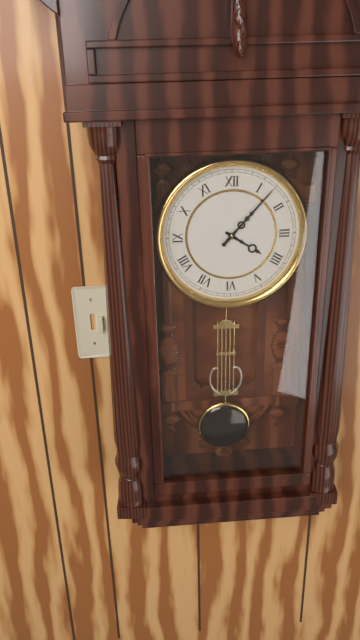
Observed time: 4:07
